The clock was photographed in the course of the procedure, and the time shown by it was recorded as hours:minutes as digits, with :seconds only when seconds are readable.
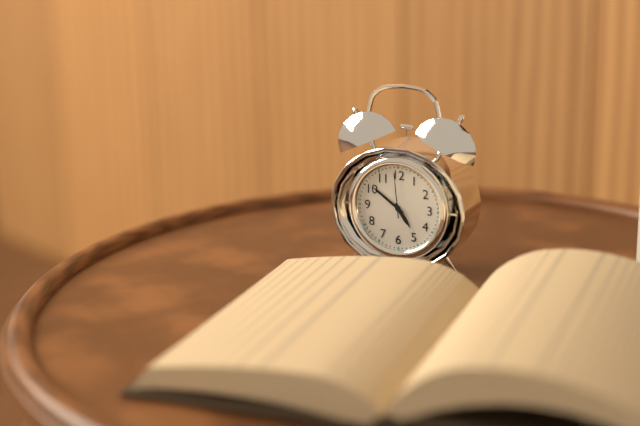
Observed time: 4:51
